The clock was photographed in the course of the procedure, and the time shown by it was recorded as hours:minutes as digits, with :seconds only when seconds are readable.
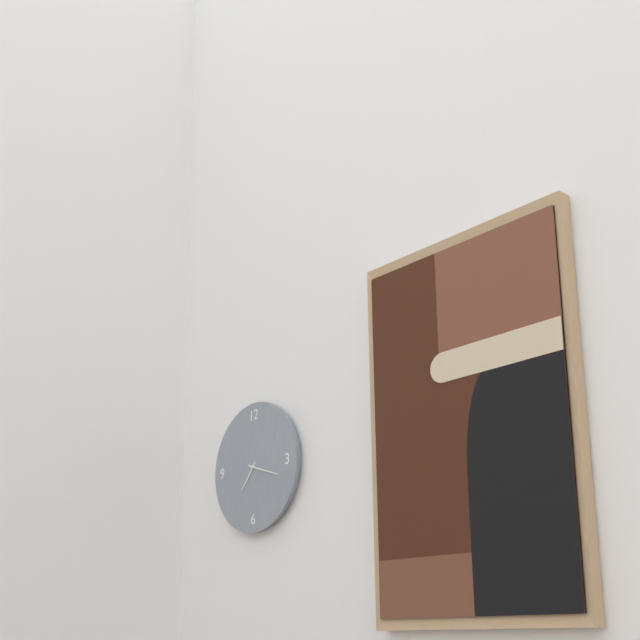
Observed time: 7:18
